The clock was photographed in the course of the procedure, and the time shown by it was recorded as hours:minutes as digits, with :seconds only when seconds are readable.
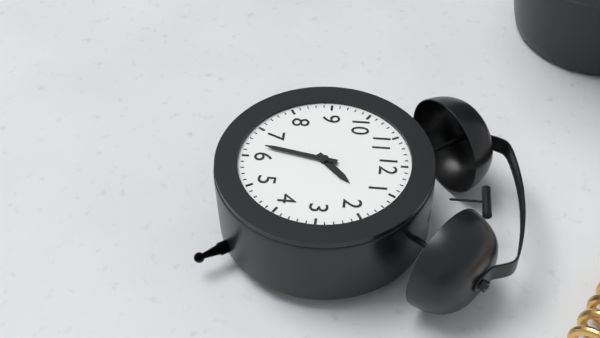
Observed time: 1:32
